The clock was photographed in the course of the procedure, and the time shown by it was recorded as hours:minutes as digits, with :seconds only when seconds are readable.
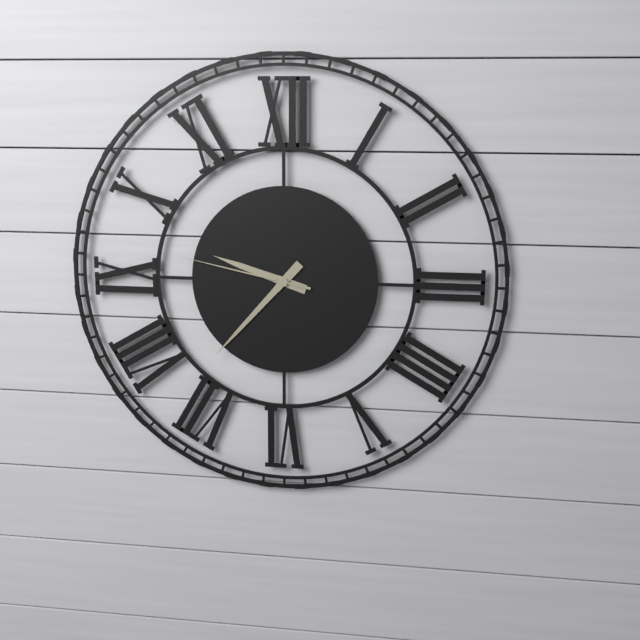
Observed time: 9:37:47
